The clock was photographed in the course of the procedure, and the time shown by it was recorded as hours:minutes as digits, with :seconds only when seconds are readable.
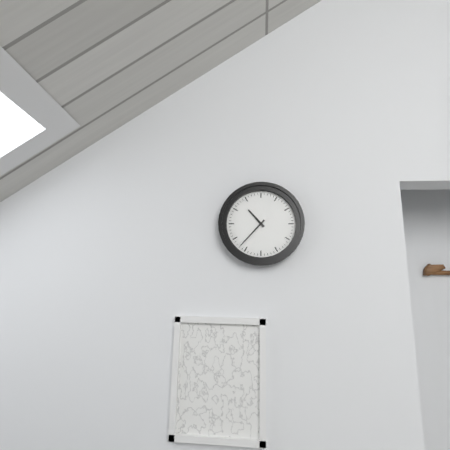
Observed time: 10:37
